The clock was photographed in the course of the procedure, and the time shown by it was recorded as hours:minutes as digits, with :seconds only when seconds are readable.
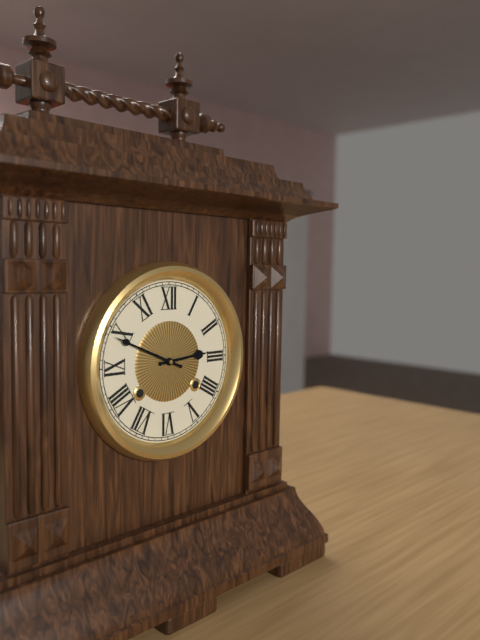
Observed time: 2:49
